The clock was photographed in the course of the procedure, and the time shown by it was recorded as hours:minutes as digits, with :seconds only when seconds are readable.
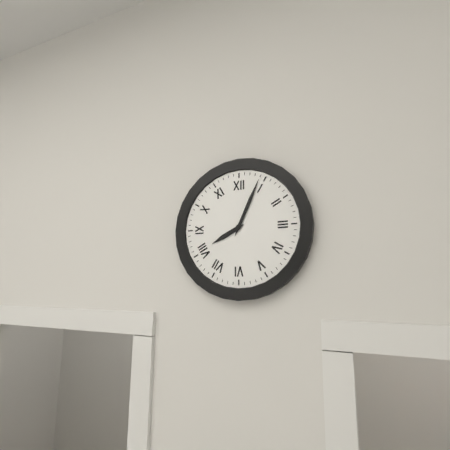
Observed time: 8:04
